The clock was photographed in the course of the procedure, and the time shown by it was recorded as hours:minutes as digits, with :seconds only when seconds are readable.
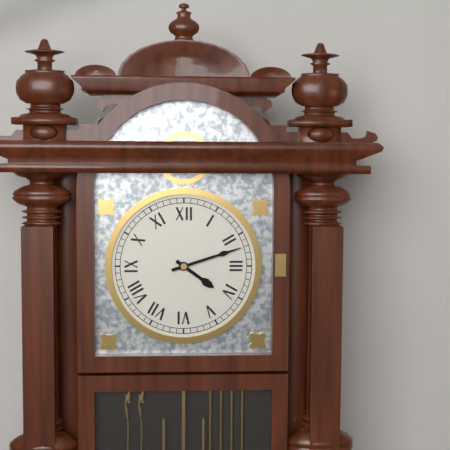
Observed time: 4:12
